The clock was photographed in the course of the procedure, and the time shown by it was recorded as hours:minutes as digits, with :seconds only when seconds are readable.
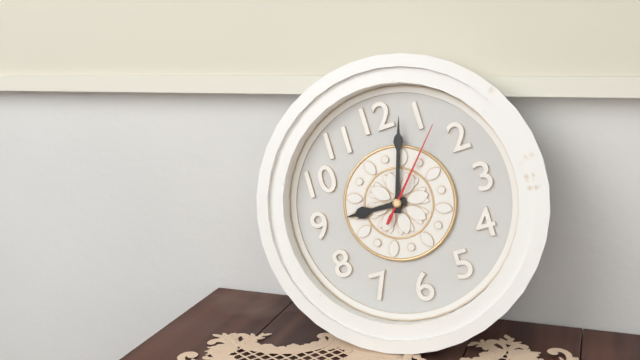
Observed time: 9:03:07
